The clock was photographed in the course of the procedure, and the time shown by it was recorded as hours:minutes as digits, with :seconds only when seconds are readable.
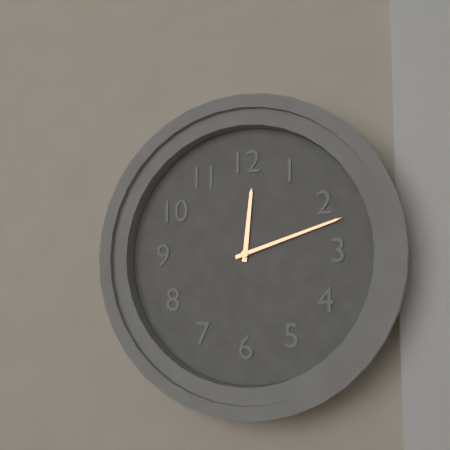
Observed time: 12:12
